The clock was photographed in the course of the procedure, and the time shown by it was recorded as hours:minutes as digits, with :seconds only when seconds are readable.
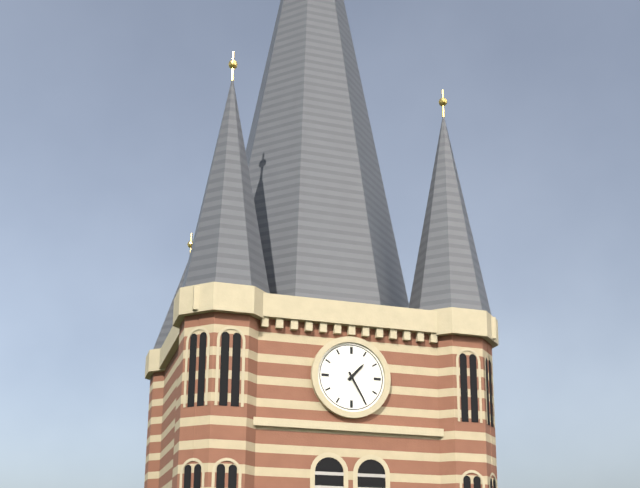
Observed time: 1:25
